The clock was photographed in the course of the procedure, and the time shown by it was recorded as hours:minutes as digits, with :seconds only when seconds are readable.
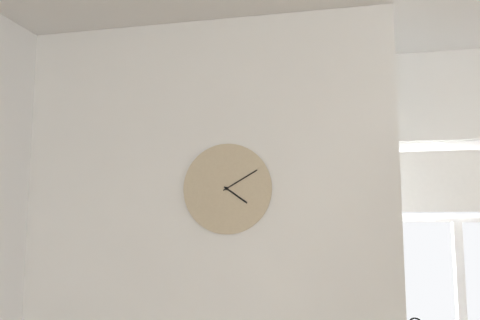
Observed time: 4:10
